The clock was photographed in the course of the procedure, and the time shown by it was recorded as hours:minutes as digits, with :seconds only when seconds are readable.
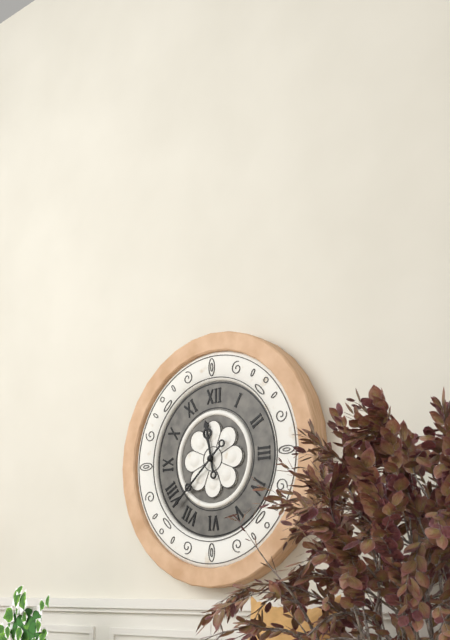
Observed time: 11:38
